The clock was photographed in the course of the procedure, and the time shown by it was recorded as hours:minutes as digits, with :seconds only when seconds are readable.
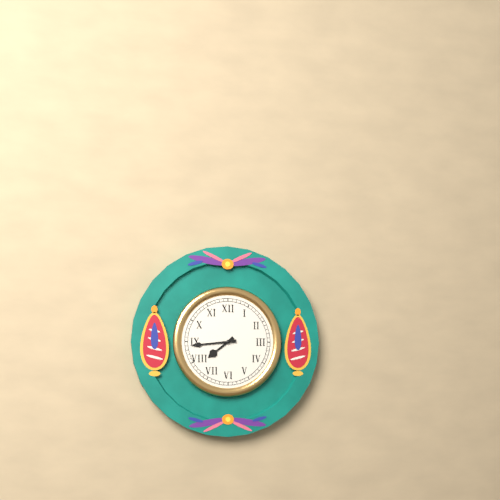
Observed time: 7:44
